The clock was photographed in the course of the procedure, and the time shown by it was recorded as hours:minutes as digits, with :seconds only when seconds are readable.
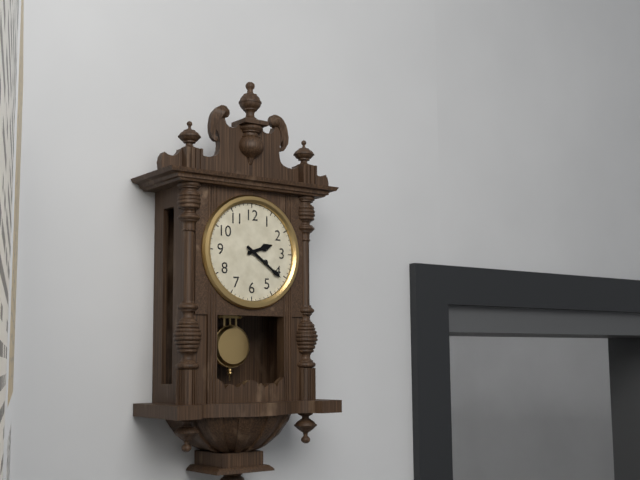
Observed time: 2:21
